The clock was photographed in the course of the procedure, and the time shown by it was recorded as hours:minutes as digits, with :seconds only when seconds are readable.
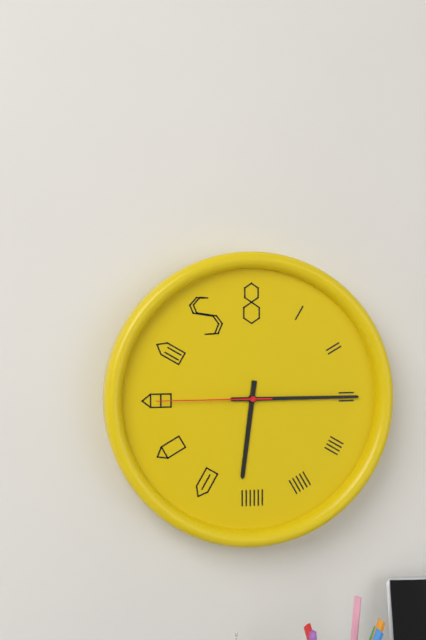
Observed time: 6:15:45
